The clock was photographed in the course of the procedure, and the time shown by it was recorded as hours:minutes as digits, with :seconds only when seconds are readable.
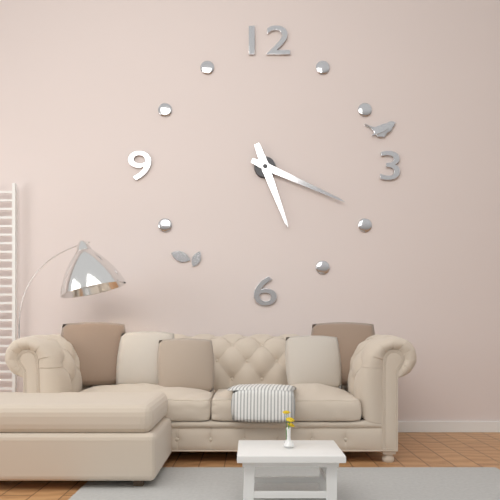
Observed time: 5:19
